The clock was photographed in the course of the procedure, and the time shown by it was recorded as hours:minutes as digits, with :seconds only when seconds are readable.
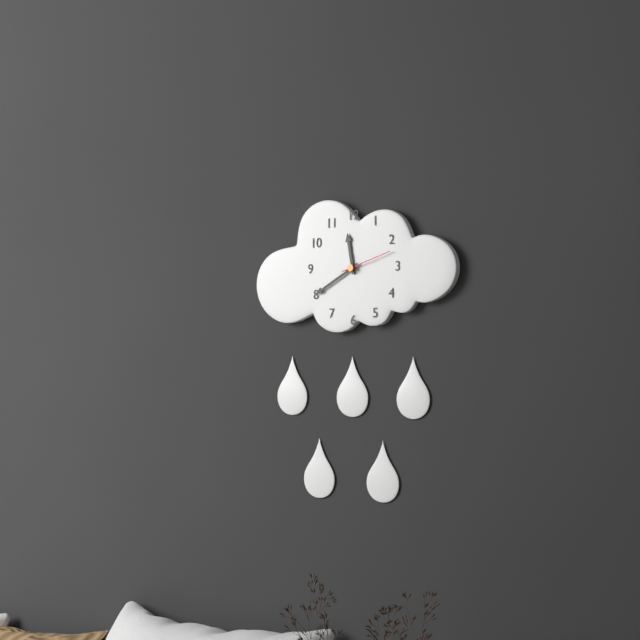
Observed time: 11:40:12
